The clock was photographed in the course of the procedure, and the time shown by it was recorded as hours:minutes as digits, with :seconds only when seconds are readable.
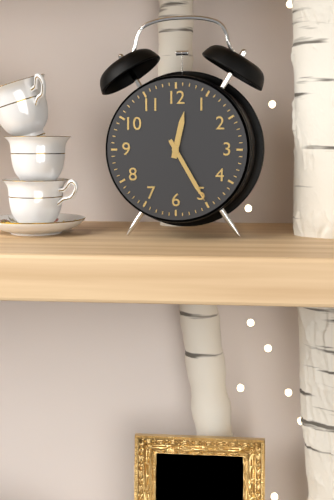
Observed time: 12:25
